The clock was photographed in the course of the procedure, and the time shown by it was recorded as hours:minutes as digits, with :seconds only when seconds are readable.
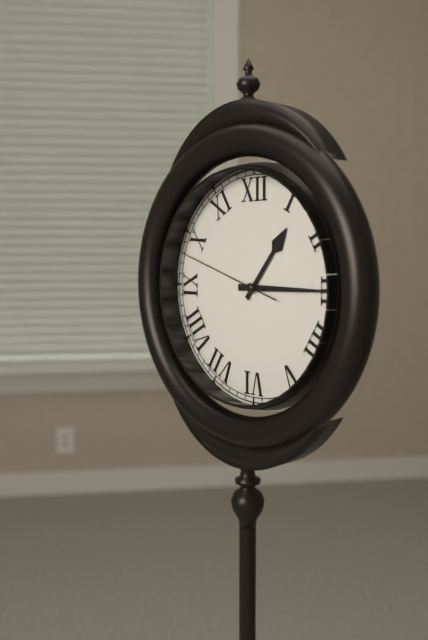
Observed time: 1:15:48
